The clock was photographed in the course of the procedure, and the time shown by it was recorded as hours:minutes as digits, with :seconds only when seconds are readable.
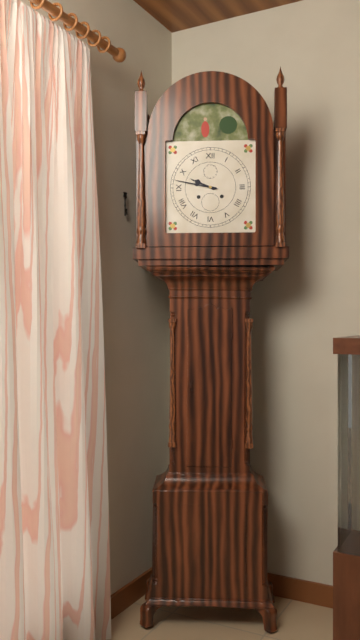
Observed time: 9:47
